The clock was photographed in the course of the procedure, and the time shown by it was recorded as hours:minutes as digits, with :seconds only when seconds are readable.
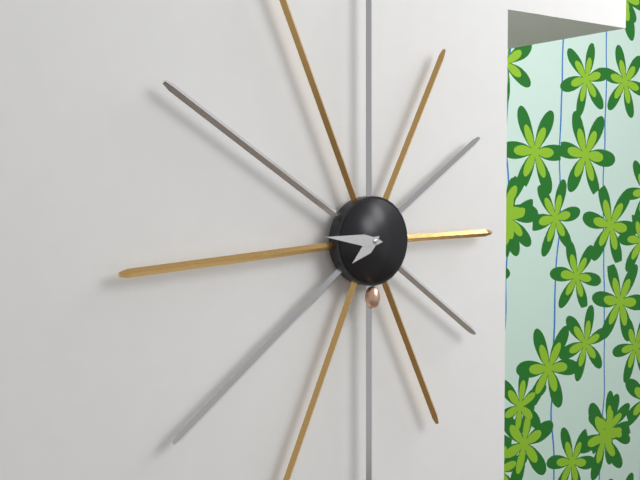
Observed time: 7:46
